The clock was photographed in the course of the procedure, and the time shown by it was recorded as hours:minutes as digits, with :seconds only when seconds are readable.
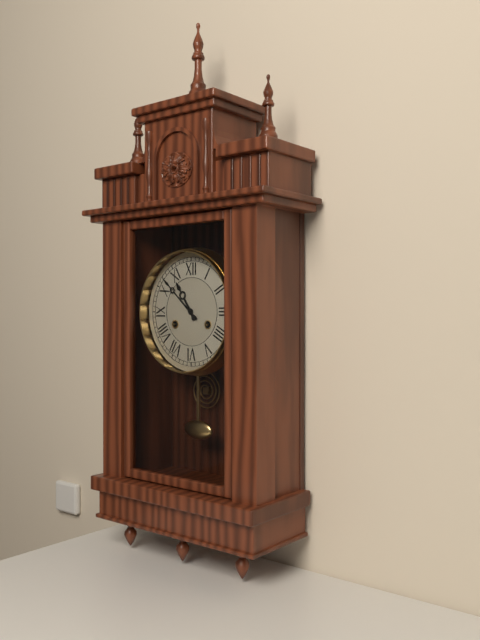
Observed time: 10:52
